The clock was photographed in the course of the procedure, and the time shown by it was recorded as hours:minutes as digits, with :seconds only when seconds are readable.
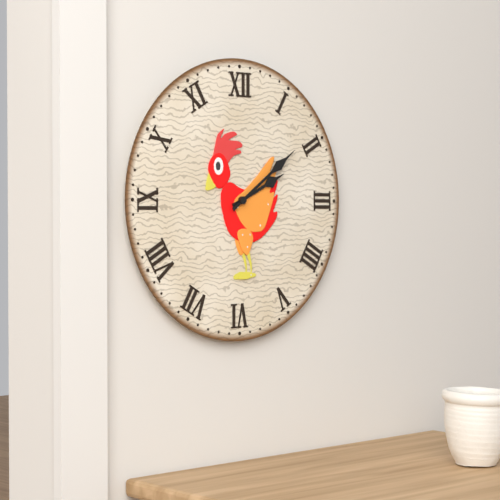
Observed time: 2:09
